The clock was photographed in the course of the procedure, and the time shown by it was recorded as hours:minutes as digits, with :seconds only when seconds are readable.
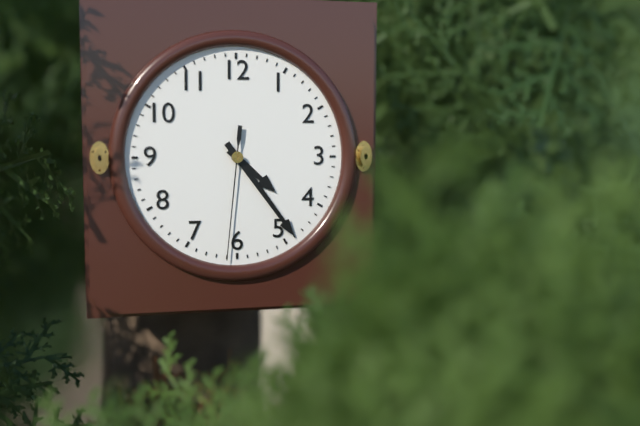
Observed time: 4:24:31
